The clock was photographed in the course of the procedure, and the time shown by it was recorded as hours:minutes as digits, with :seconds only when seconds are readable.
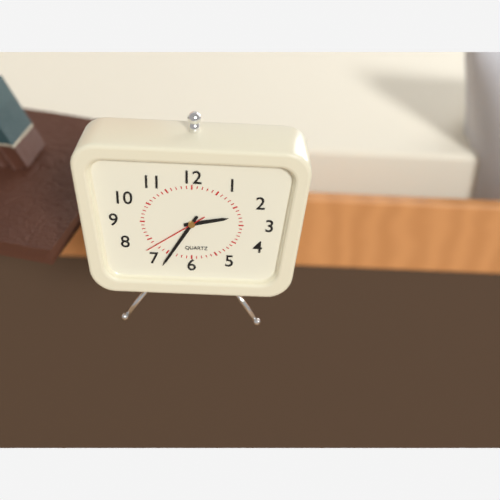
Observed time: 2:35:39
